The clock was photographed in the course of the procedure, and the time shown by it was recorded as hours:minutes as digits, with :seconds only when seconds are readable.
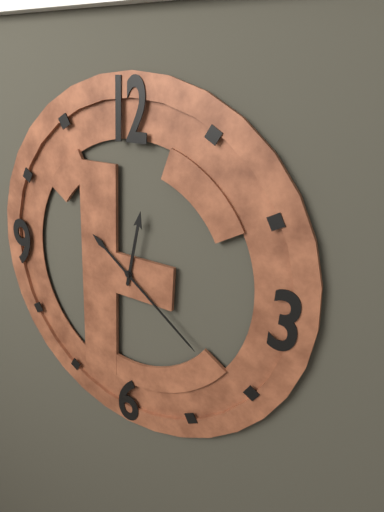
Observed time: 12:21
